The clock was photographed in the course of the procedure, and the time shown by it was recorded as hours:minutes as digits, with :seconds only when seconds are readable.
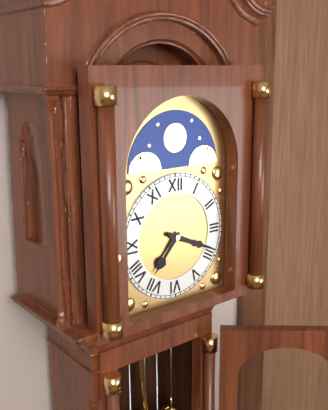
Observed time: 7:19
